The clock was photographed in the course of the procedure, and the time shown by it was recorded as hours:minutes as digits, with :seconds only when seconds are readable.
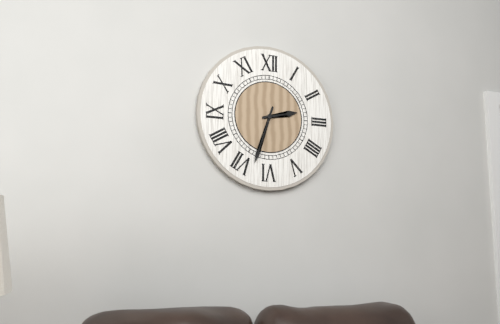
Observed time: 2:33
